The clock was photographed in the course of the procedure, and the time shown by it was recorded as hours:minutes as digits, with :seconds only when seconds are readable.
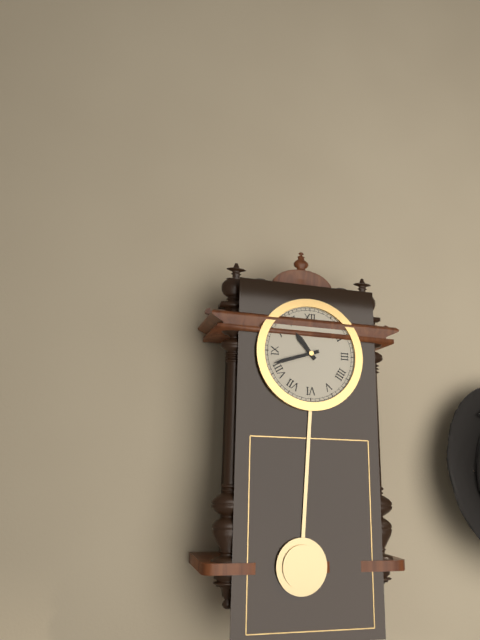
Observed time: 10:42
